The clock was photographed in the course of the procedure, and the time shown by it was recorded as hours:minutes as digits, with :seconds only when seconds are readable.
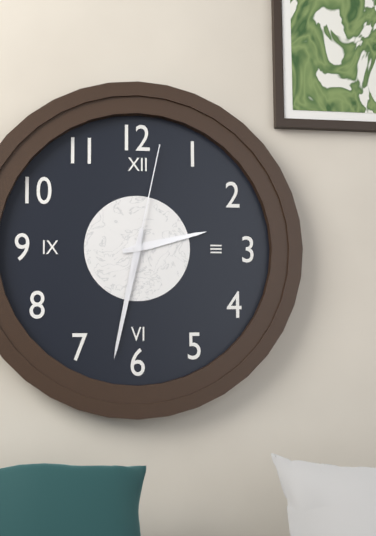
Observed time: 2:32:02
